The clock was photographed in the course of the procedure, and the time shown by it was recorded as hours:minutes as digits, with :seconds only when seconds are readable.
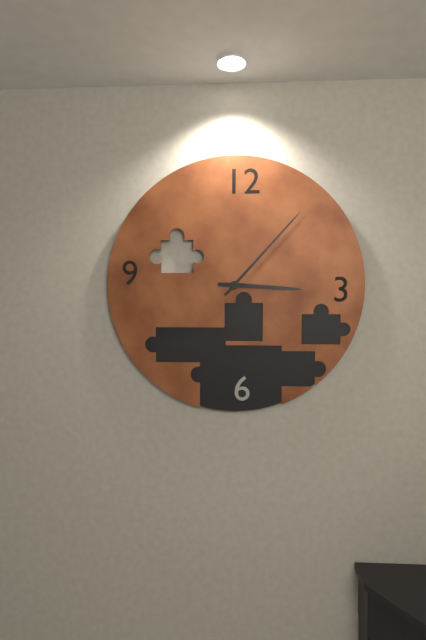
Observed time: 3:07
